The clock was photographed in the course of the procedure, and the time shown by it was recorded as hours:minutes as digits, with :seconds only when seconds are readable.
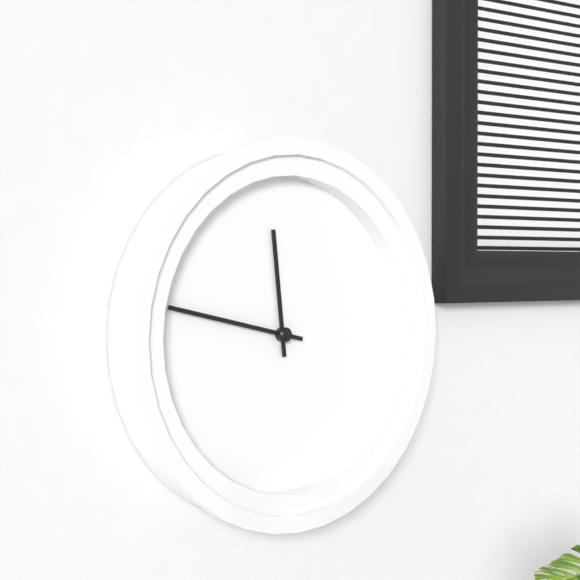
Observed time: 11:47
